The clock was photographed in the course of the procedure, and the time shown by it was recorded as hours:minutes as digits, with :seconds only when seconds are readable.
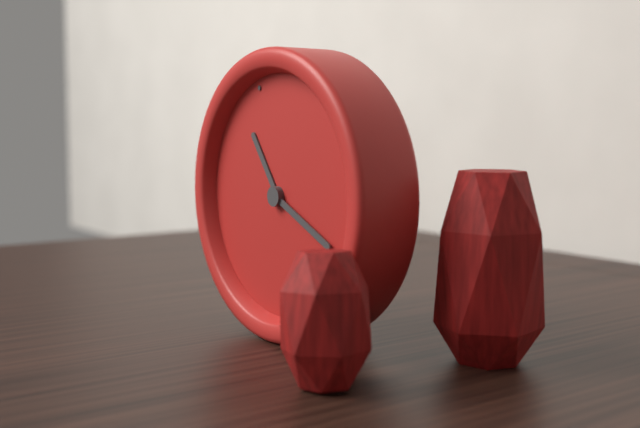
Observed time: 11:22
